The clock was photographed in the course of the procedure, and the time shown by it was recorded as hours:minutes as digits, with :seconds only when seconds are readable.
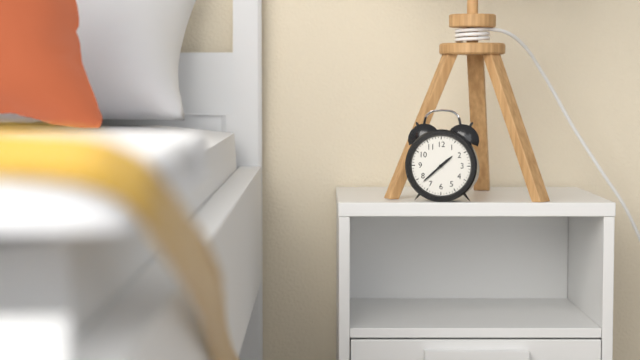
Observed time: 1:38
